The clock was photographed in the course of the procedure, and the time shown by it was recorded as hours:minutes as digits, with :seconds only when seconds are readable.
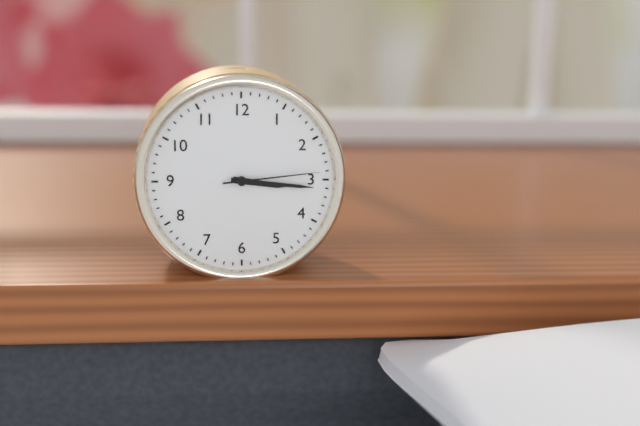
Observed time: 3:16:14
